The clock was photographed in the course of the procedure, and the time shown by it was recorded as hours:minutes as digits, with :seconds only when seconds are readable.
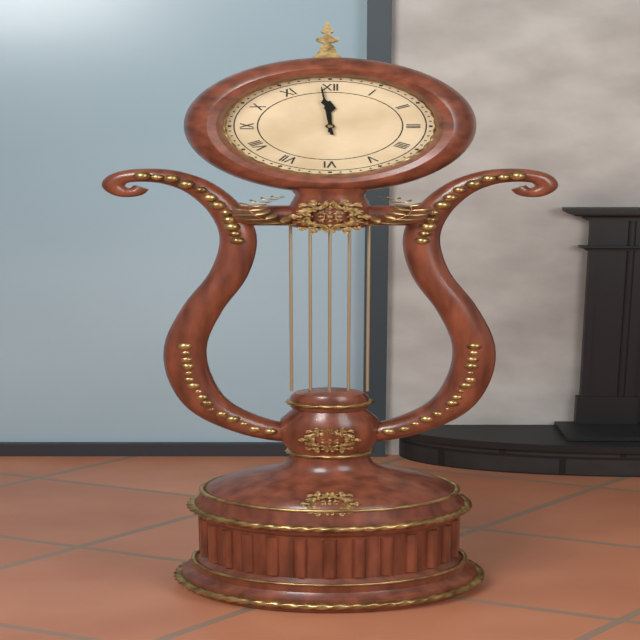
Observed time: 11:59
